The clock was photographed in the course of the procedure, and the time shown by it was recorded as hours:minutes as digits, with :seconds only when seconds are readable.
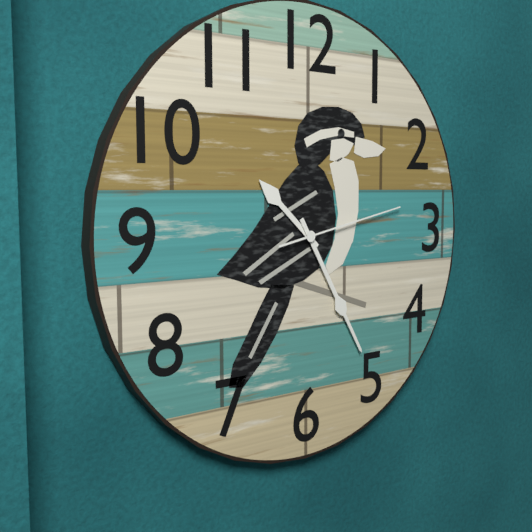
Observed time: 10:25:13
